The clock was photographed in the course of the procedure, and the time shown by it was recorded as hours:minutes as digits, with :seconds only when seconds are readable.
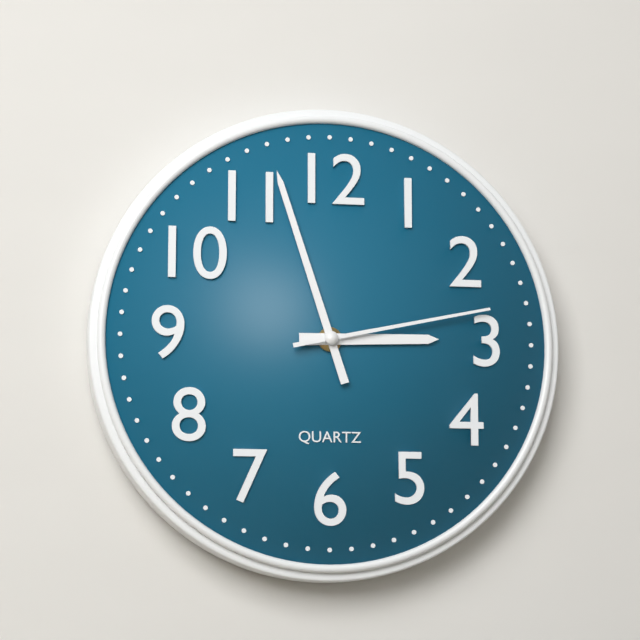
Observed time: 2:57:13
